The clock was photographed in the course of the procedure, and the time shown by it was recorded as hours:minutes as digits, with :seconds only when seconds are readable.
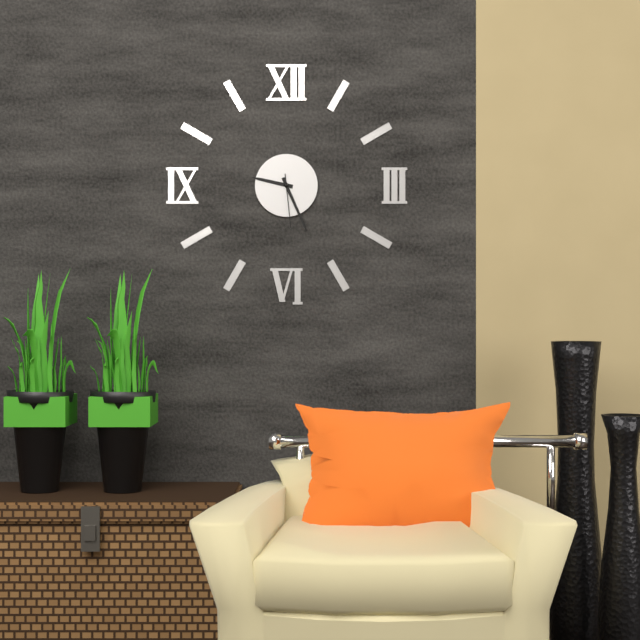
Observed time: 9:26:29
